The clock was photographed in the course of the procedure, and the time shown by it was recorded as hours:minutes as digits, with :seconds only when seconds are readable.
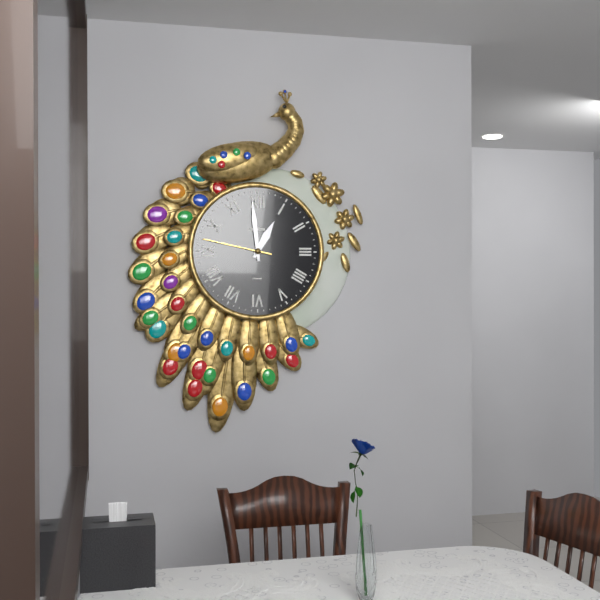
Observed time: 12:59:47
